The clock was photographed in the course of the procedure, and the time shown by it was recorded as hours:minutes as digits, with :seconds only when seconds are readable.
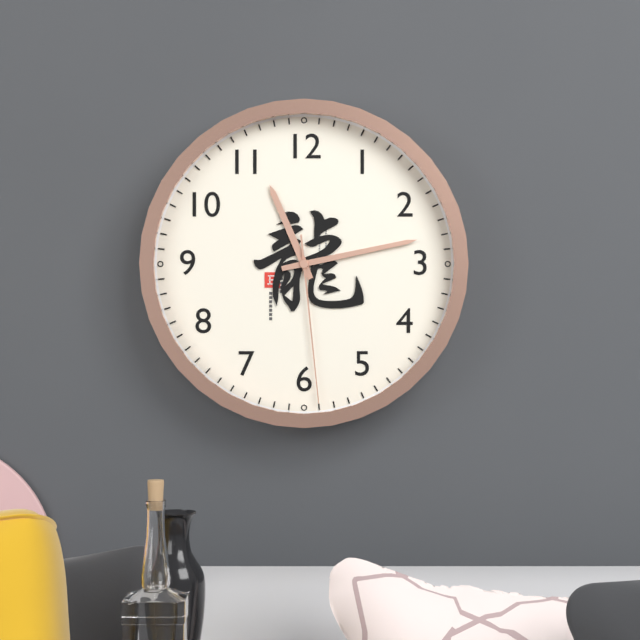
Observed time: 11:13:29
